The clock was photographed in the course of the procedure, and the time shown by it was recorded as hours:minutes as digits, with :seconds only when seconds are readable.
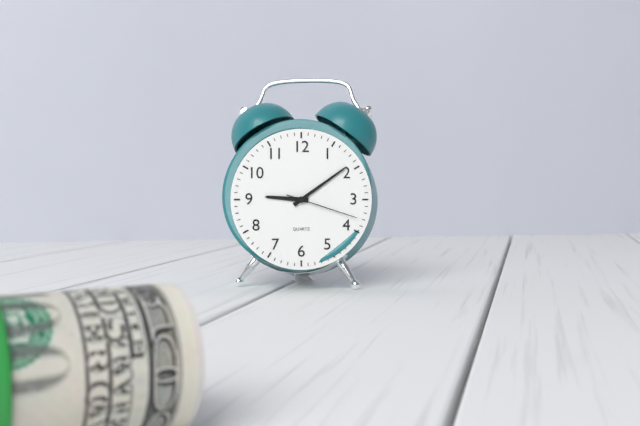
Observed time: 9:09:18
